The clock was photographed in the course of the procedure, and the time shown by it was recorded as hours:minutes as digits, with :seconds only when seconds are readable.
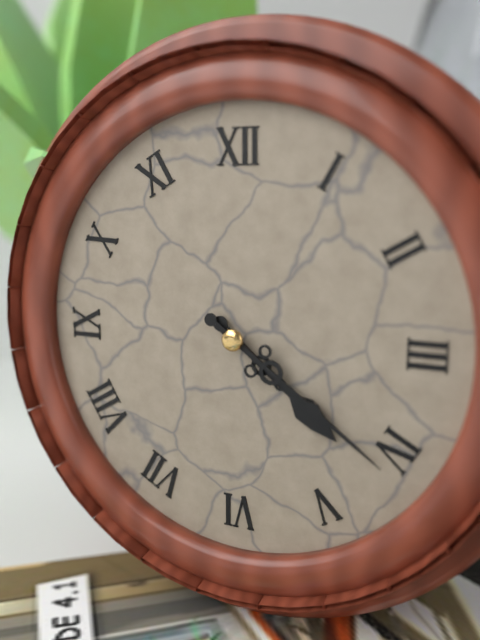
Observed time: 4:21
